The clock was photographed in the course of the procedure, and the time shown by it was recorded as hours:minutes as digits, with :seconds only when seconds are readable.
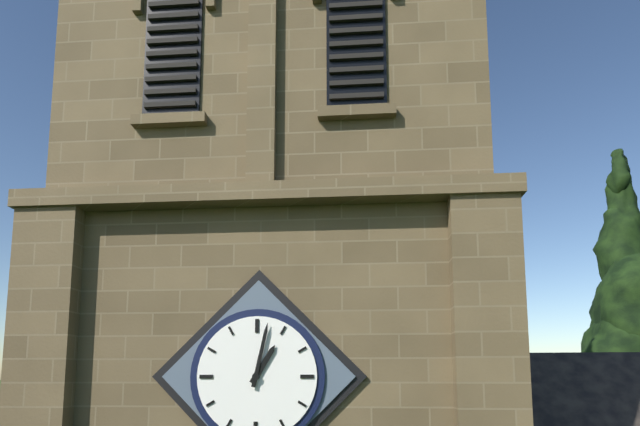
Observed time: 1:02
